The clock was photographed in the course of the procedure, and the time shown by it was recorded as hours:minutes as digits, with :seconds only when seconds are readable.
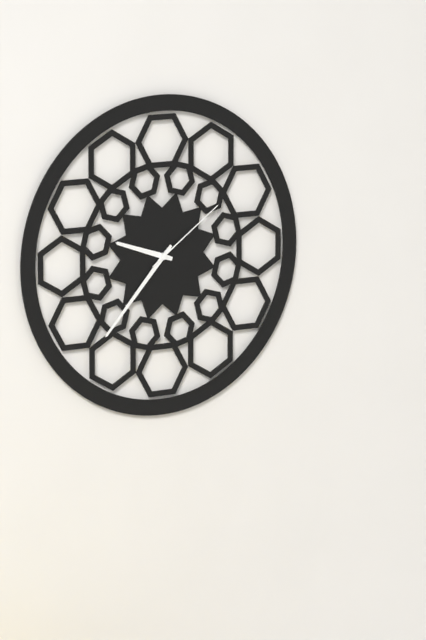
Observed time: 9:37:09
